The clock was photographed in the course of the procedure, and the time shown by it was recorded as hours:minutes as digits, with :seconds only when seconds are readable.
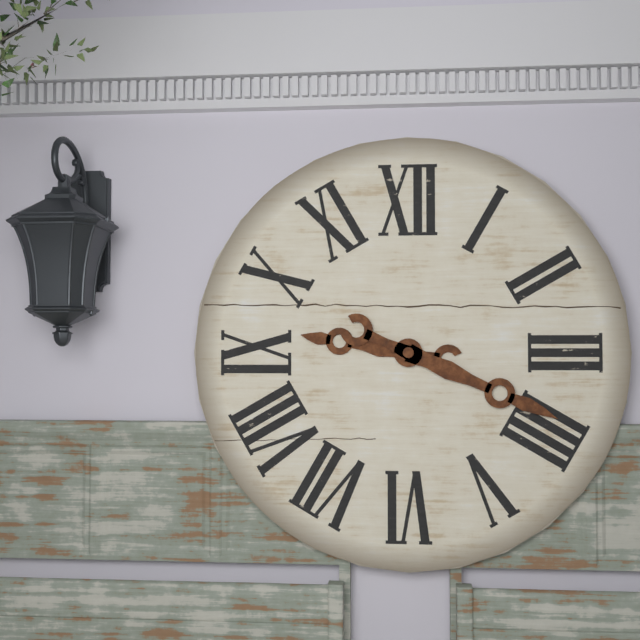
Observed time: 9:19
